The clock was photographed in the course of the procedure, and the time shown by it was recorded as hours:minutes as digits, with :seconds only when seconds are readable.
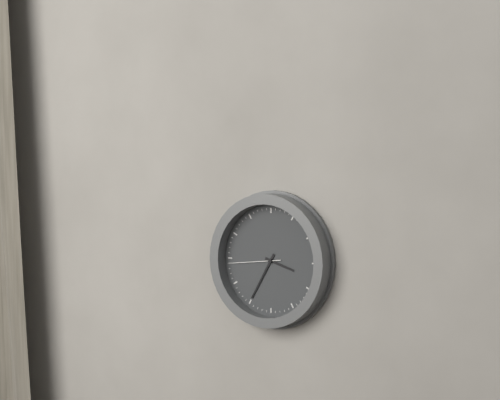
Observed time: 3:35:44
